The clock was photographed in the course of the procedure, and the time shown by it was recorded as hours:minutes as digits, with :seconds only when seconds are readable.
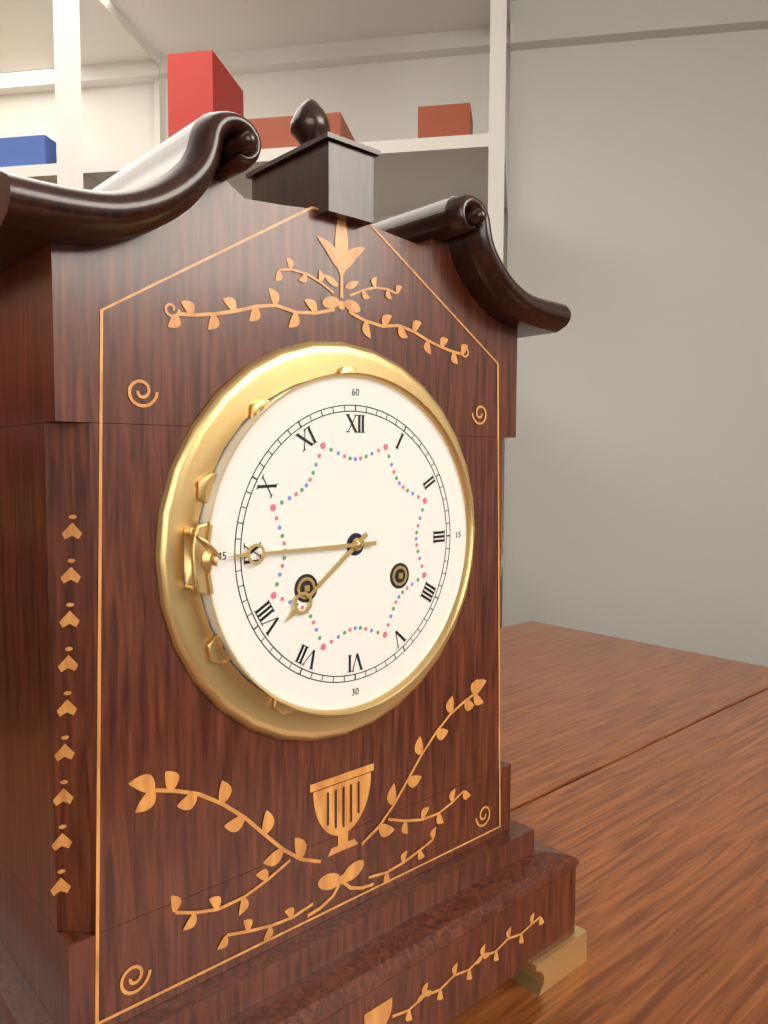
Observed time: 7:45
